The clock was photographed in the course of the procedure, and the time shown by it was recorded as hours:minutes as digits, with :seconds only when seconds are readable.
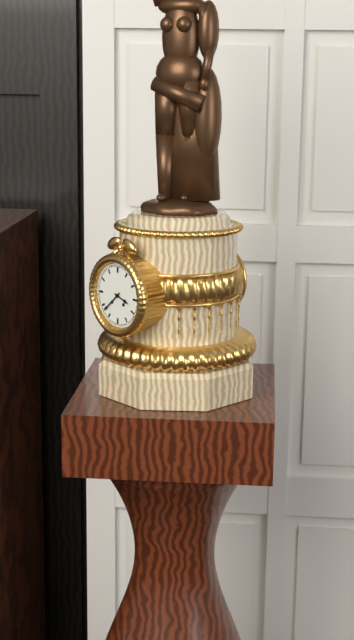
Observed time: 3:38
